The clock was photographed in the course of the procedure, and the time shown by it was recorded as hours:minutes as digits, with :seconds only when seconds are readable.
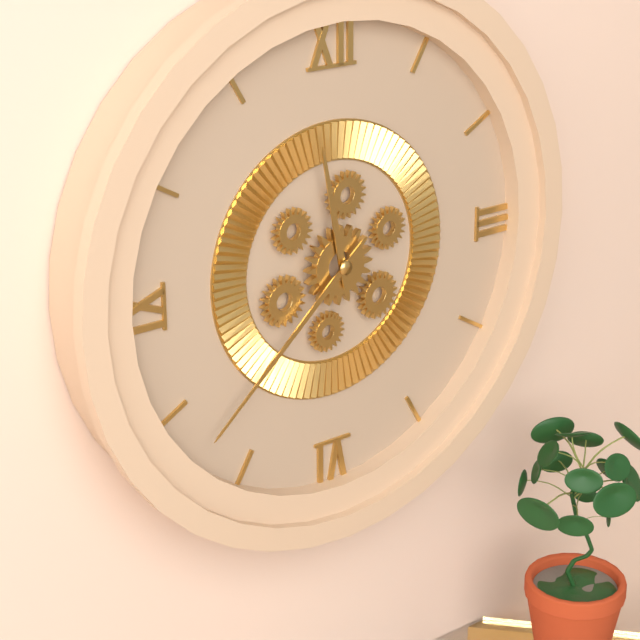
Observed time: 11:38
